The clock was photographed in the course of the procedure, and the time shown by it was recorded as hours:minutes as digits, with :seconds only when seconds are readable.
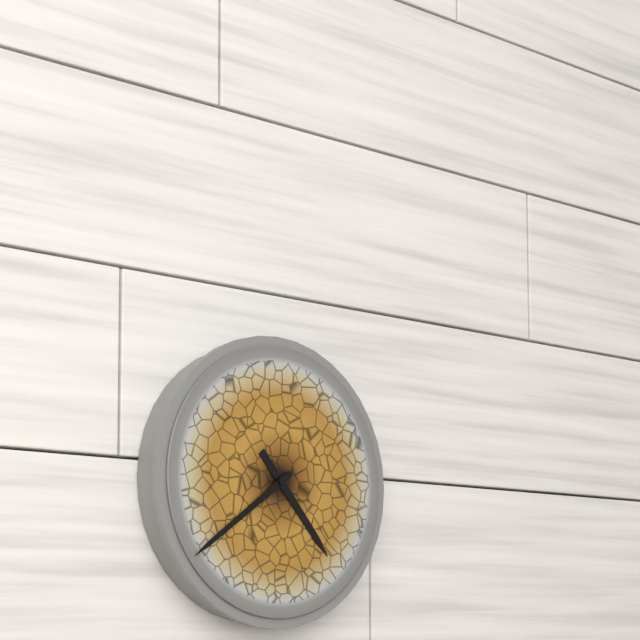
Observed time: 4:39
